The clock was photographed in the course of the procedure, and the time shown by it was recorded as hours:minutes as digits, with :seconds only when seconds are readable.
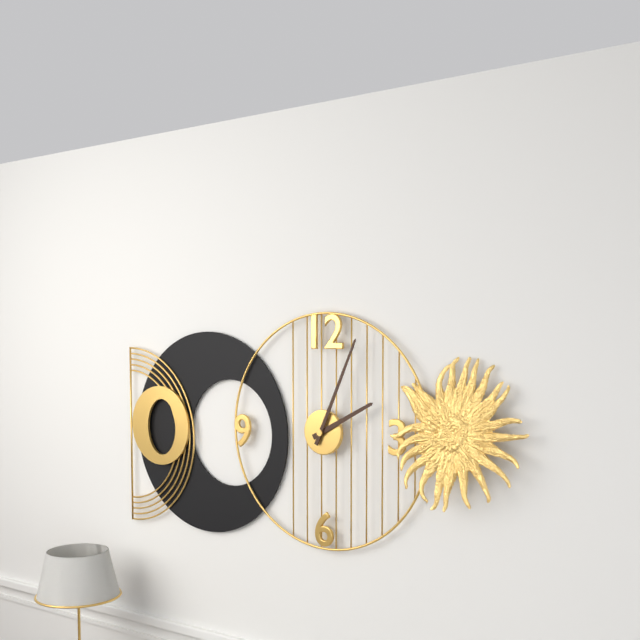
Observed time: 2:04
